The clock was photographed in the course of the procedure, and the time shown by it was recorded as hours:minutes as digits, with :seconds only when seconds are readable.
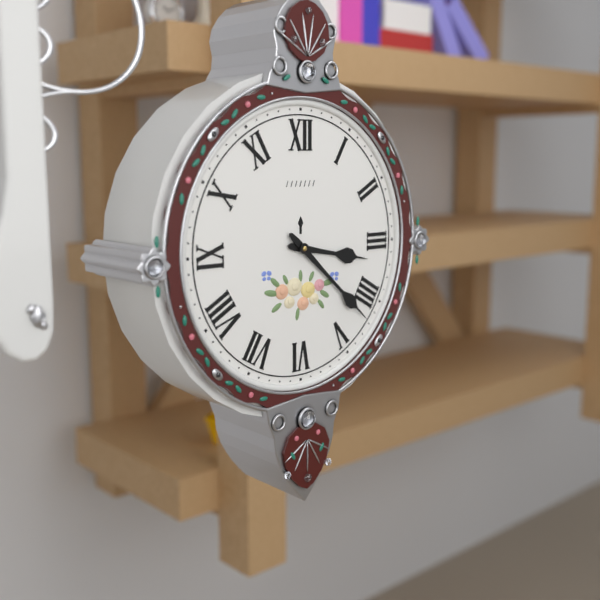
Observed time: 3:22
